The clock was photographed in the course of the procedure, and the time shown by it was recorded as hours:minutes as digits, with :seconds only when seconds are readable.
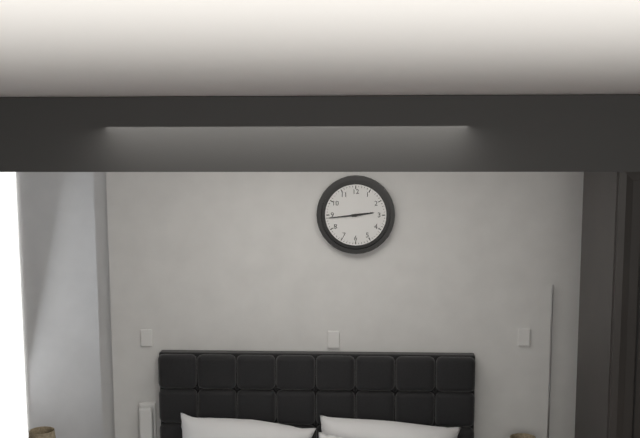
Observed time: 2:44
